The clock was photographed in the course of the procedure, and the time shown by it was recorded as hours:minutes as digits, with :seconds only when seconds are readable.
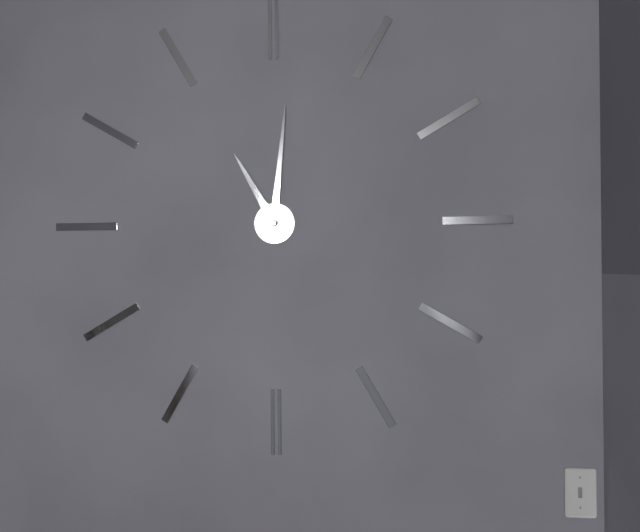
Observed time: 11:01
